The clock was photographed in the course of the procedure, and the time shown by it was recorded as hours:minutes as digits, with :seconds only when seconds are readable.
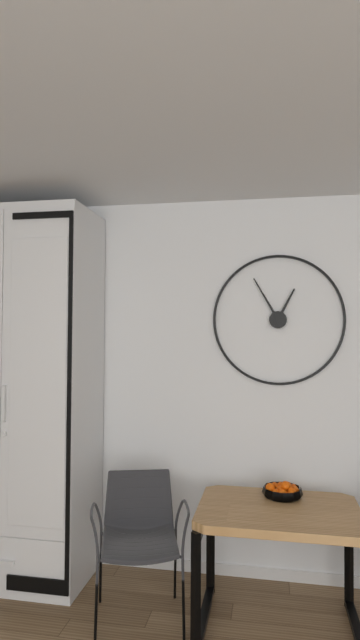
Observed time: 12:55
